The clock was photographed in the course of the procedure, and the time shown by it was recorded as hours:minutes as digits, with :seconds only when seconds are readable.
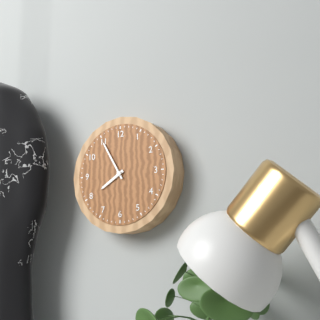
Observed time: 7:55
